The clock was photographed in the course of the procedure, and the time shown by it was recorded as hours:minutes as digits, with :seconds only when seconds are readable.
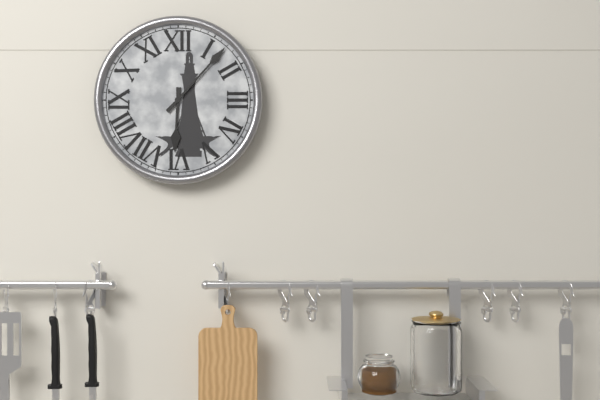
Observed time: 6:07
